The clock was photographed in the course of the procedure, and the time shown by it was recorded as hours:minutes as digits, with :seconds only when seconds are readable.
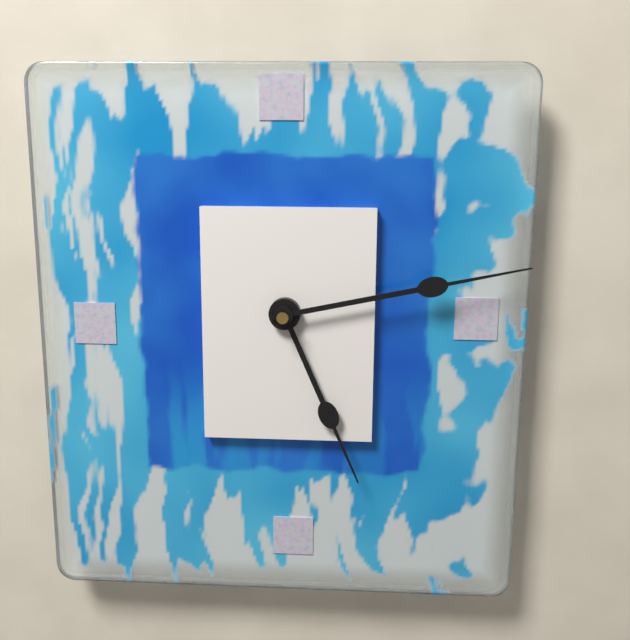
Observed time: 5:13
